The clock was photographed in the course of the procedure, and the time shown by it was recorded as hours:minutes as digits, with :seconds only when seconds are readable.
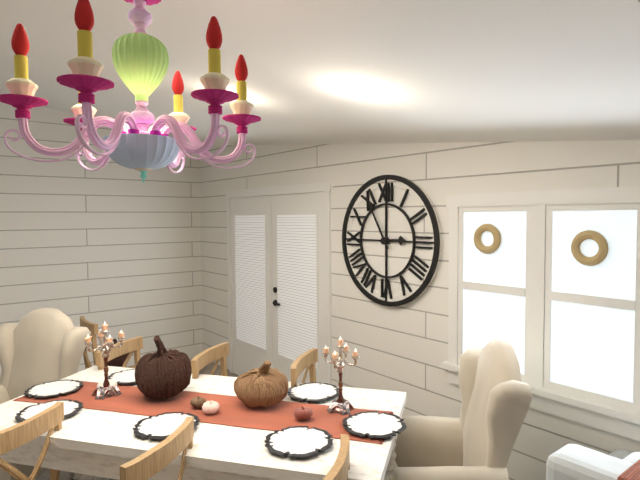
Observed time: 2:55
